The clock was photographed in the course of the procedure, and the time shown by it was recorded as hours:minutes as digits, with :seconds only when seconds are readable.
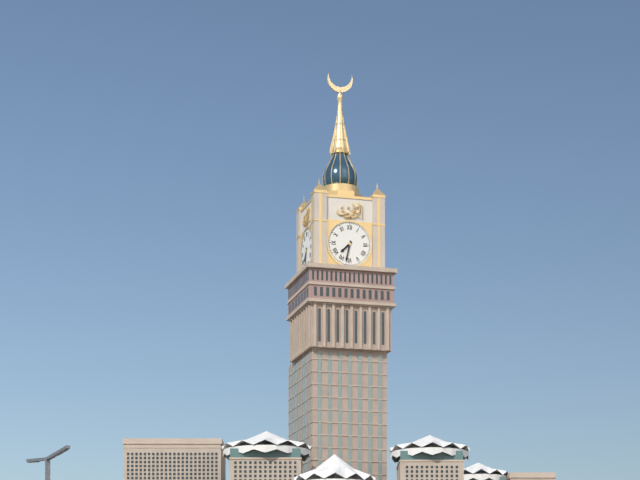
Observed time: 7:32
